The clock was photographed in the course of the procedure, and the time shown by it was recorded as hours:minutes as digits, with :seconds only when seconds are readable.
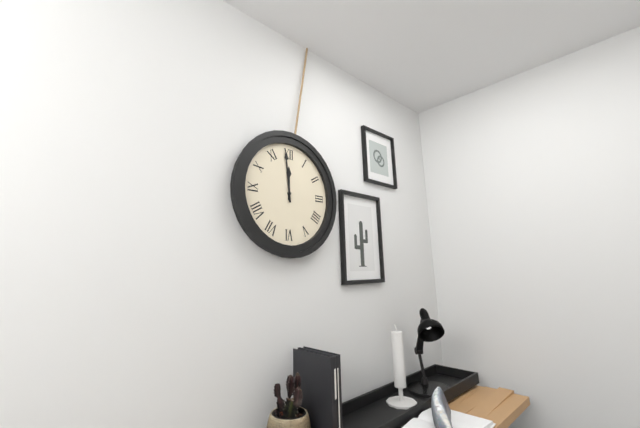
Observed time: 11:59
